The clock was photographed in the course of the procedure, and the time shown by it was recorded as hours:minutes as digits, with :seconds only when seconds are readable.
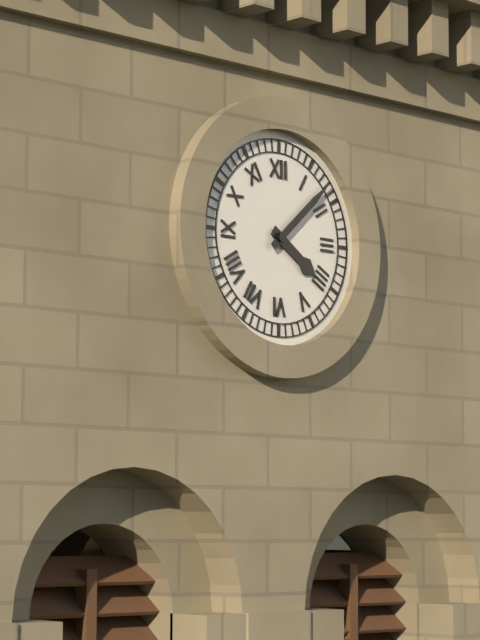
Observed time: 4:08
